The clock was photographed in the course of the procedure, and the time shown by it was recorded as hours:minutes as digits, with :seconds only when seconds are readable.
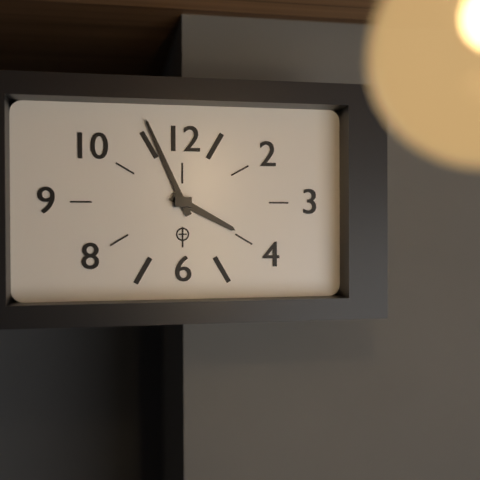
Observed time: 3:56
